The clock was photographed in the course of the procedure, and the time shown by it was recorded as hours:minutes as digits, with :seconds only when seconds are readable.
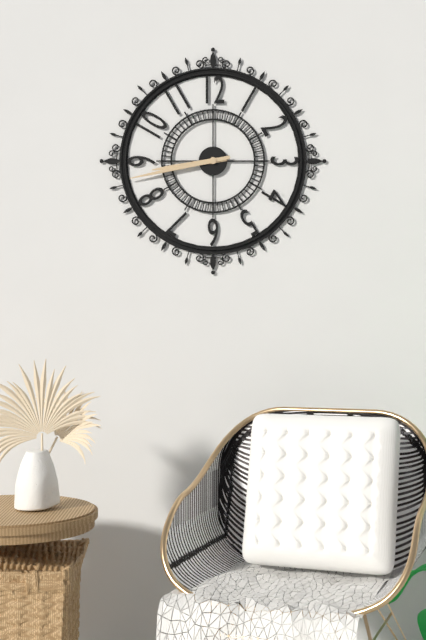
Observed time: 8:43
